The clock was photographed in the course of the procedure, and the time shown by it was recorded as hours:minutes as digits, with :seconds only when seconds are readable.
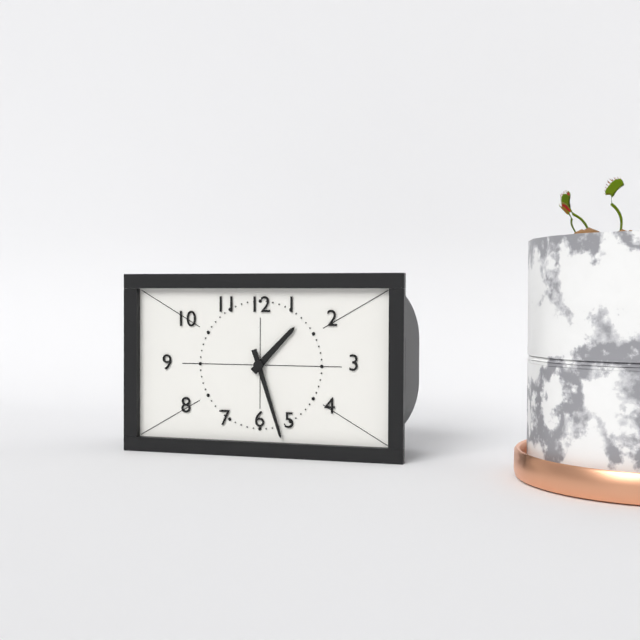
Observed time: 1:27
